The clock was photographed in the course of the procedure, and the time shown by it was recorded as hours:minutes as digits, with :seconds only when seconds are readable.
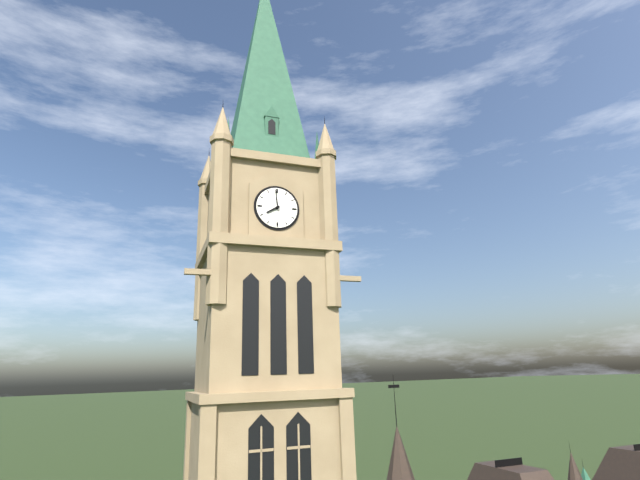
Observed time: 7:59
